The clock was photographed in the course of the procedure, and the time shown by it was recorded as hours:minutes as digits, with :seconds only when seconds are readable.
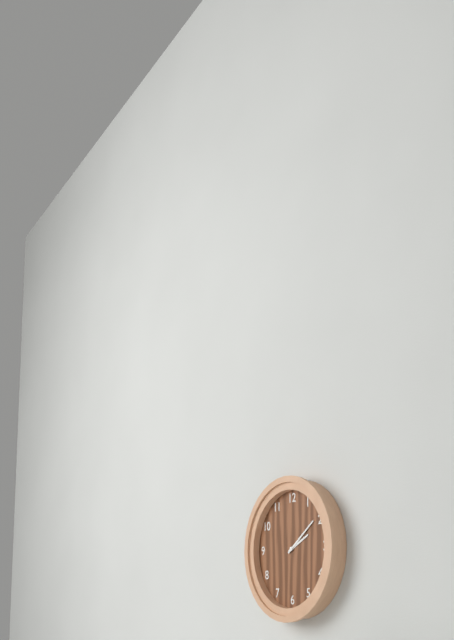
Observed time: 2:09
